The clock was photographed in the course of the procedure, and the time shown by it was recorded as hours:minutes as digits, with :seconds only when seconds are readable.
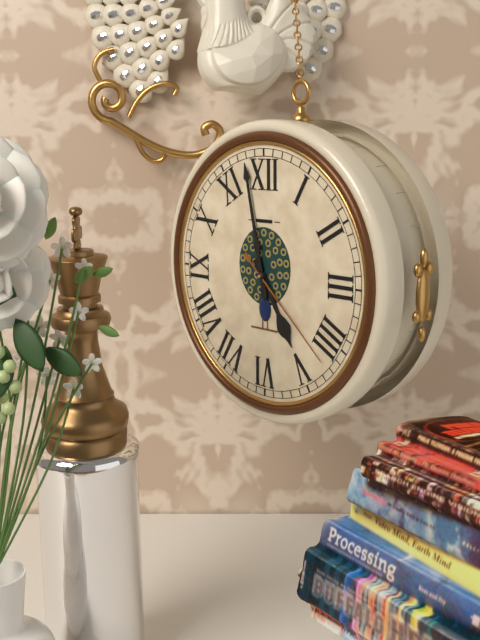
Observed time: 4:58:22
